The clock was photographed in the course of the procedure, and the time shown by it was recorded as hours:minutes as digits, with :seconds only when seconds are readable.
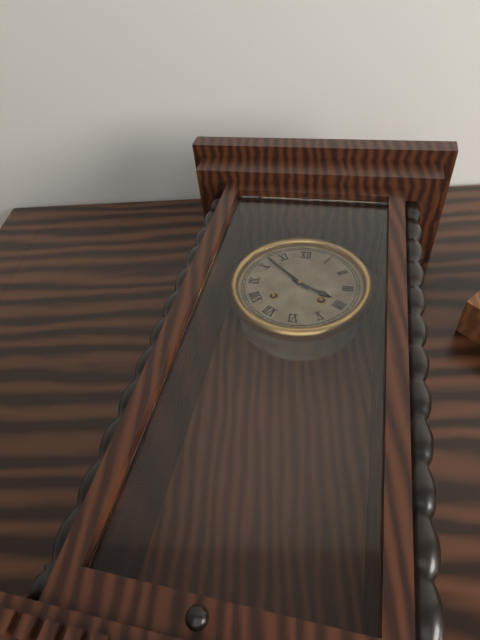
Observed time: 3:52
